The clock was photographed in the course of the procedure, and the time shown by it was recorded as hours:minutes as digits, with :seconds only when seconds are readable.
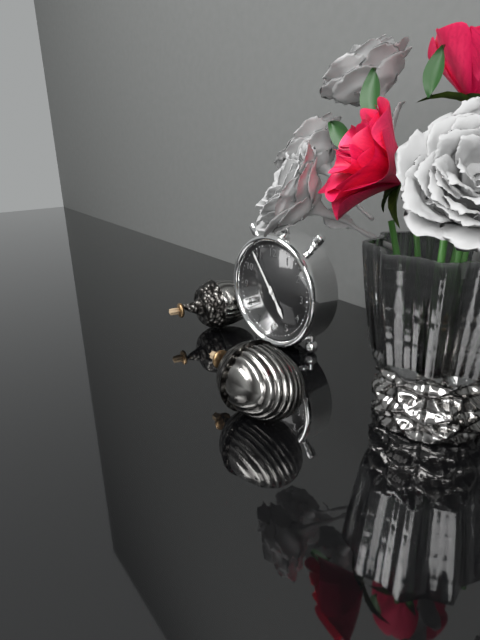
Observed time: 4:54
